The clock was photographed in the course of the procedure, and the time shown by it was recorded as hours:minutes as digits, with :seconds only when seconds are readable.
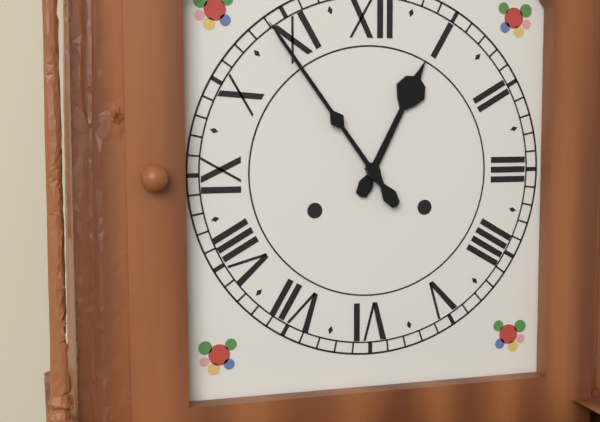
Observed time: 12:54
